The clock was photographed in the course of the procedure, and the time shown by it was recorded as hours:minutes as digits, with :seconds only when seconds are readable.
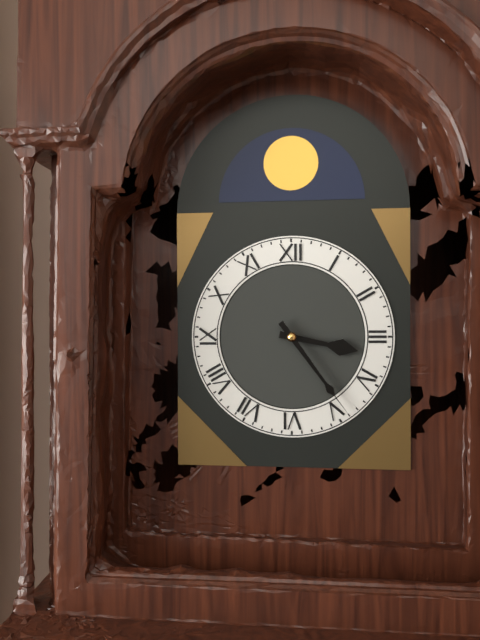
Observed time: 3:24
